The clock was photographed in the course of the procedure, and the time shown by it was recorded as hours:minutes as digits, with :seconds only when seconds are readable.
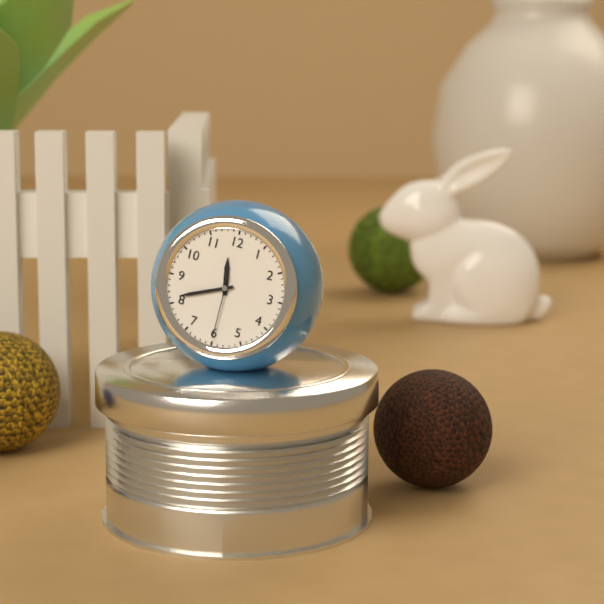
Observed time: 11:41:30
